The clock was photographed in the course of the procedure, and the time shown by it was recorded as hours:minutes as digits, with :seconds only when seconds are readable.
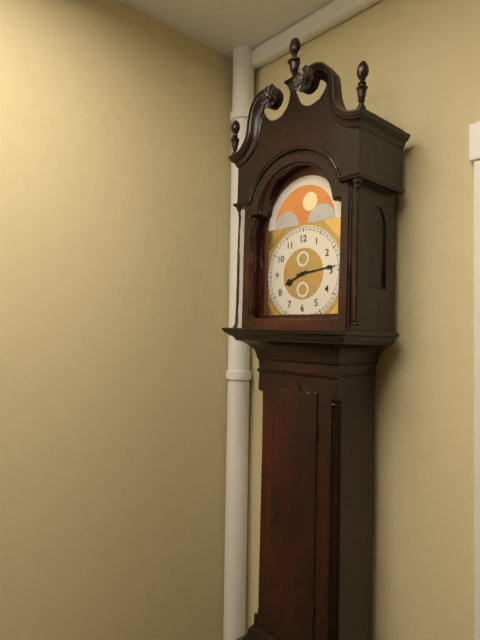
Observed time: 8:14
